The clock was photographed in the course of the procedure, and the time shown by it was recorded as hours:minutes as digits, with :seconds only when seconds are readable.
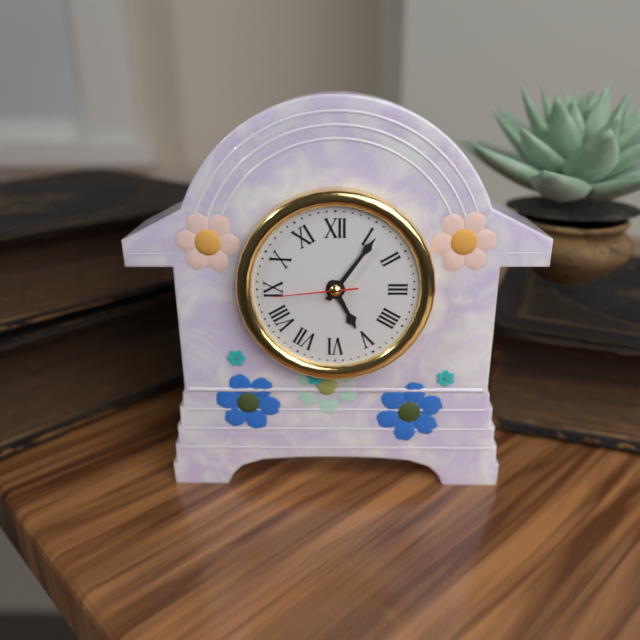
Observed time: 5:06:44
